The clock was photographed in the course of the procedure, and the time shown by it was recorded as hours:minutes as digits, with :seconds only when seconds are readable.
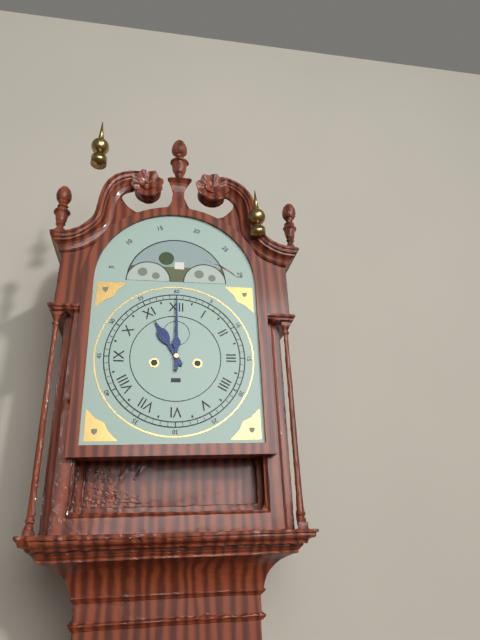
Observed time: 11:00
